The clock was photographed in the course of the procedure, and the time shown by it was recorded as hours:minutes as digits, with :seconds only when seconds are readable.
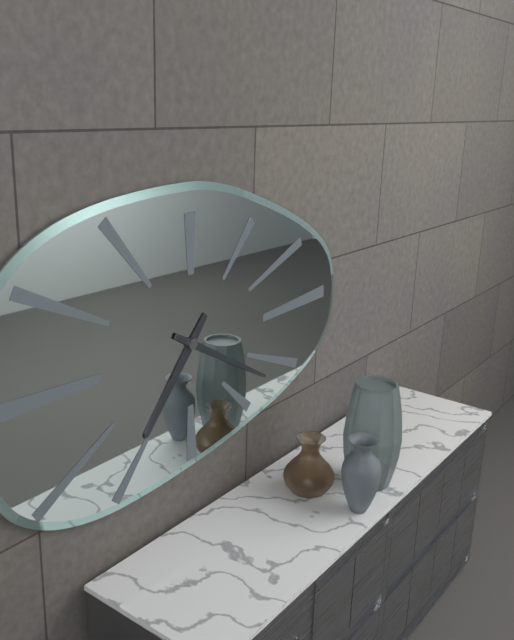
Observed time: 7:20
